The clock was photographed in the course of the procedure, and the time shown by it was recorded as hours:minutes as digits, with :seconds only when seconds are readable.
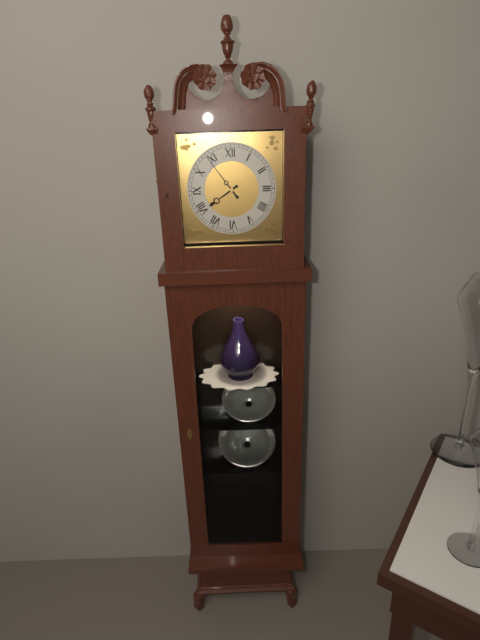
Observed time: 7:54
